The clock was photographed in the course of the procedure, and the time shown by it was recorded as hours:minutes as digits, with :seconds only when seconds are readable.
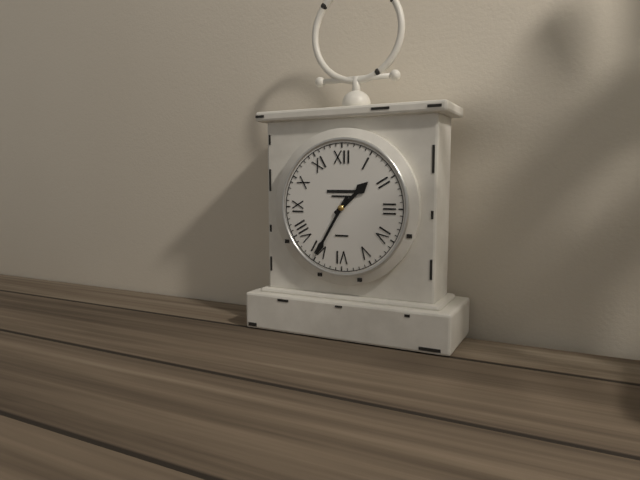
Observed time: 1:35
